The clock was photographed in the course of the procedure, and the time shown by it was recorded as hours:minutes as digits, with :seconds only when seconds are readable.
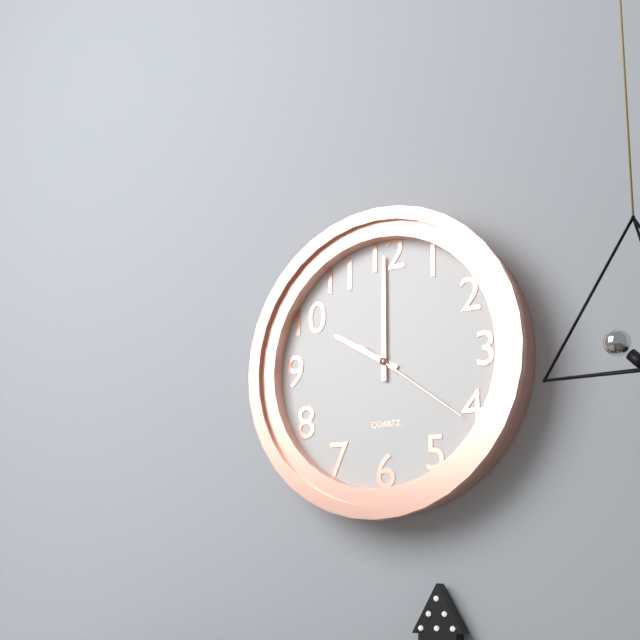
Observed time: 10:00:21
